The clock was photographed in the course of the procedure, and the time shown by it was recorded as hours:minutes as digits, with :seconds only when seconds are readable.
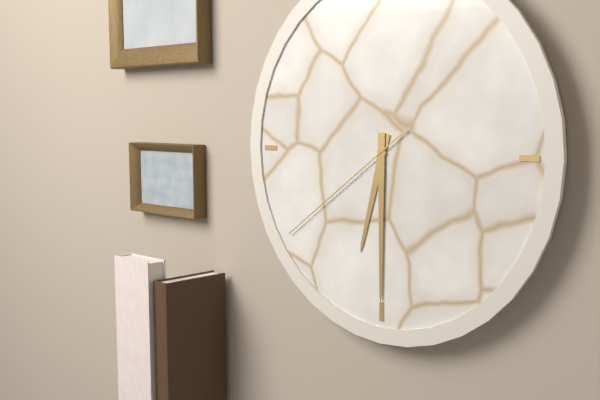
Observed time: 6:30:39
